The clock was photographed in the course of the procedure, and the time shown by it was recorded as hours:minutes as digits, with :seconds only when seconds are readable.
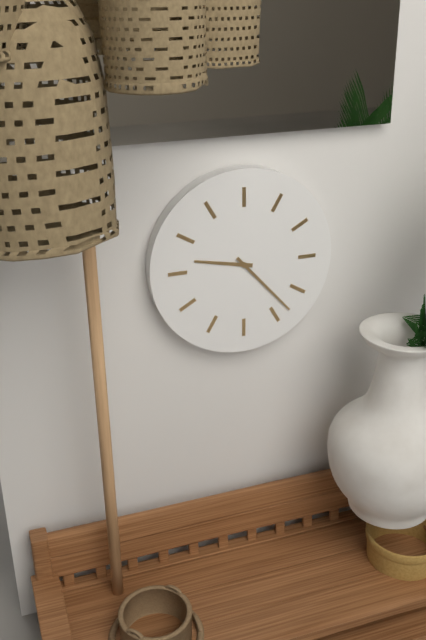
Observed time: 9:23
